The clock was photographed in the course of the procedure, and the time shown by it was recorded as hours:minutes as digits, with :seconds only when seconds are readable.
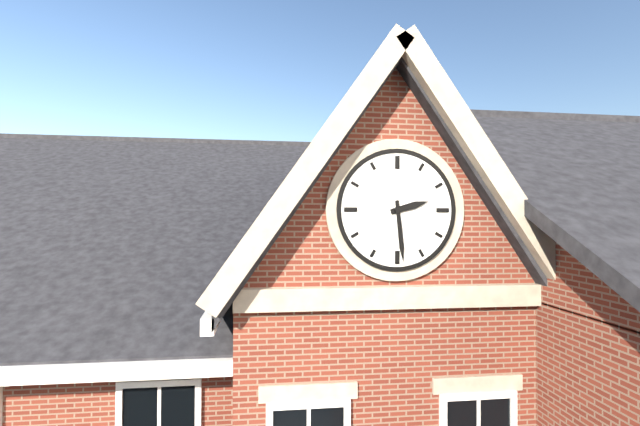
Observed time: 2:29
